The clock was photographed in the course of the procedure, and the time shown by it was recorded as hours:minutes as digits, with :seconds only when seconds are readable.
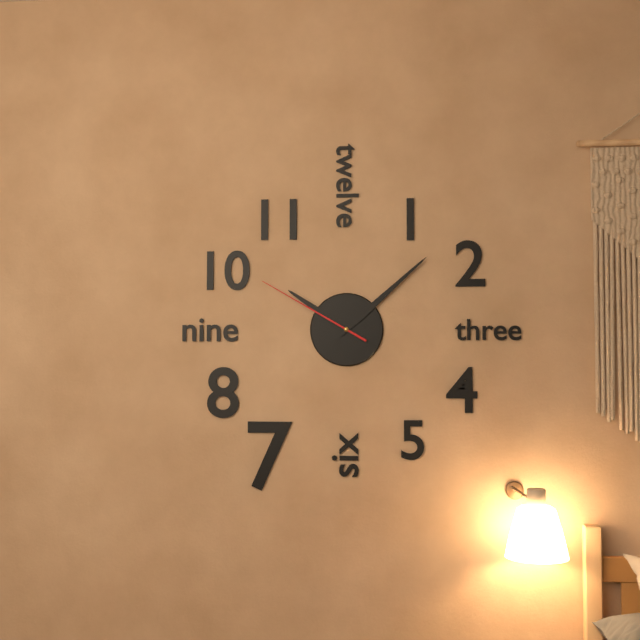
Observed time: 10:08:50
